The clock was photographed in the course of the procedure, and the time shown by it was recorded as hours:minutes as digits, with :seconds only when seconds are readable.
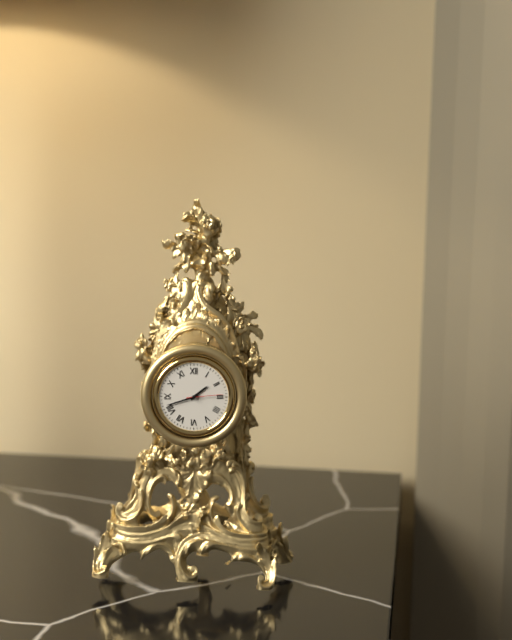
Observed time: 1:42
